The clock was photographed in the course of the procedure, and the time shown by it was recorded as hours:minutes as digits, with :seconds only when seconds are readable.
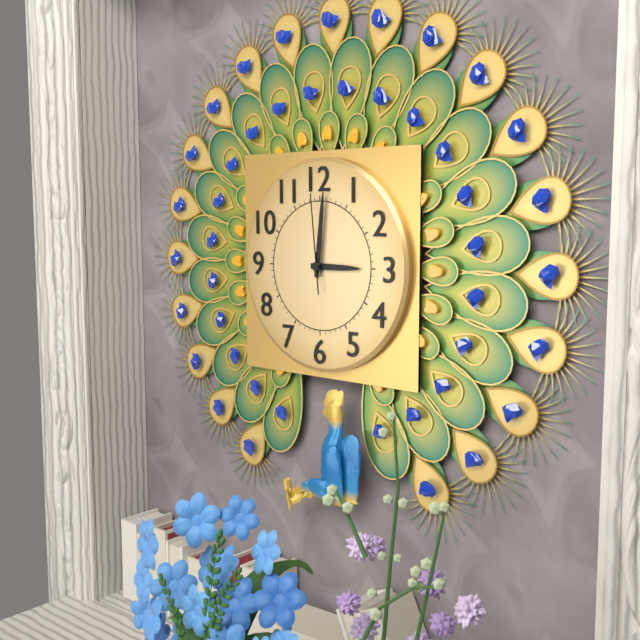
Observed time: 3:01:59
